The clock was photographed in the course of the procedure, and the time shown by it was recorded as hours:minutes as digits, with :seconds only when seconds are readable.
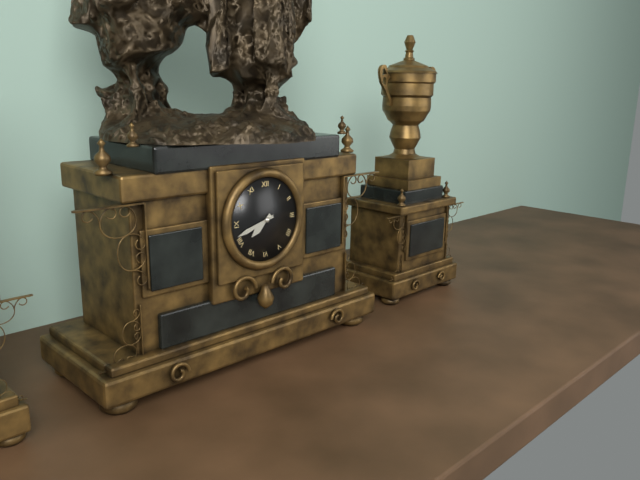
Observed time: 7:42
